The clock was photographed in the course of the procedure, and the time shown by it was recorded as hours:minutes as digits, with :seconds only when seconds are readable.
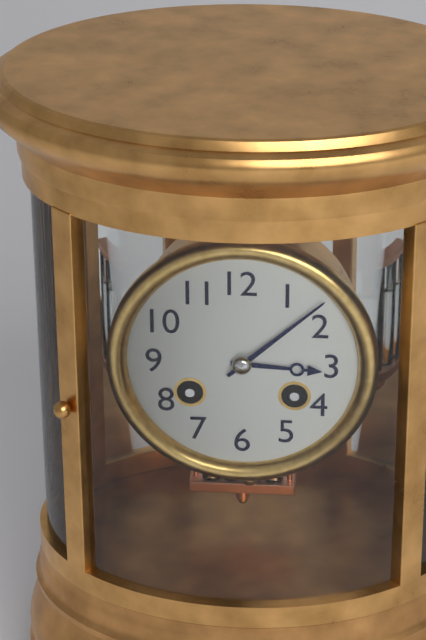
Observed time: 3:08
